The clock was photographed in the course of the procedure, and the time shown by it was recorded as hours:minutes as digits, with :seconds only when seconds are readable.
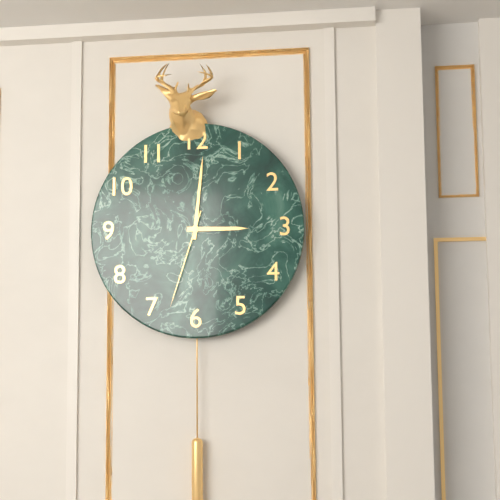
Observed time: 3:01:33
